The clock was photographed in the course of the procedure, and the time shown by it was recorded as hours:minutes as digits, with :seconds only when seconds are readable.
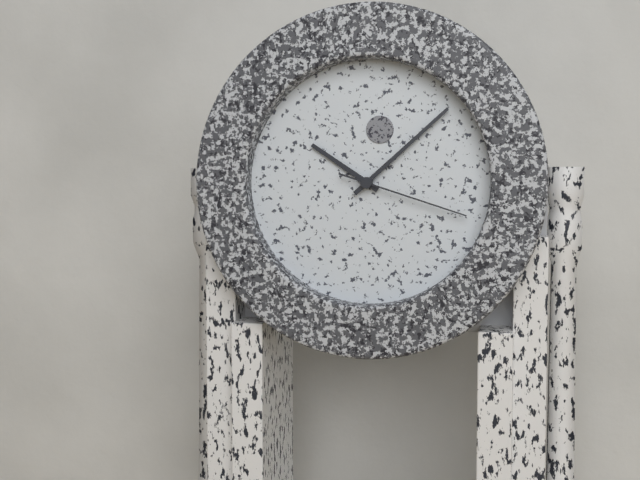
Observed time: 10:08:18
